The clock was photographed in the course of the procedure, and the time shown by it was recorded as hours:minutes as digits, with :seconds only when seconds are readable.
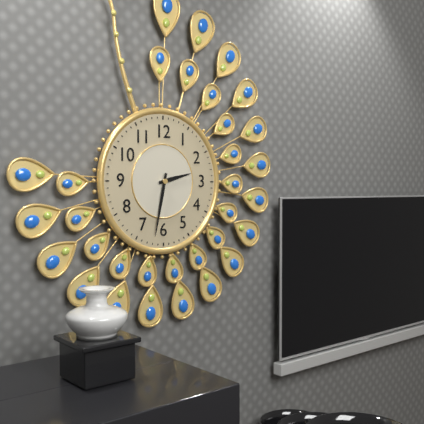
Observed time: 2:32
